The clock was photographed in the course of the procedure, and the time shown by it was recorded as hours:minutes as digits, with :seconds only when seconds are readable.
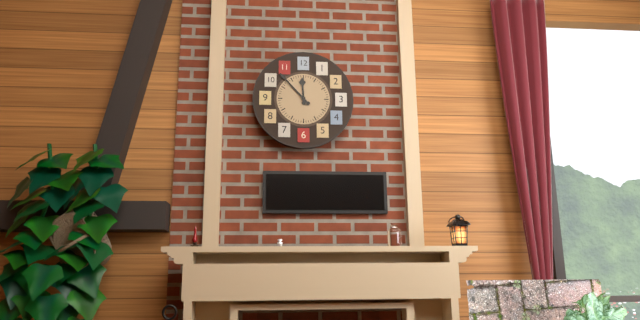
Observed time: 11:53
